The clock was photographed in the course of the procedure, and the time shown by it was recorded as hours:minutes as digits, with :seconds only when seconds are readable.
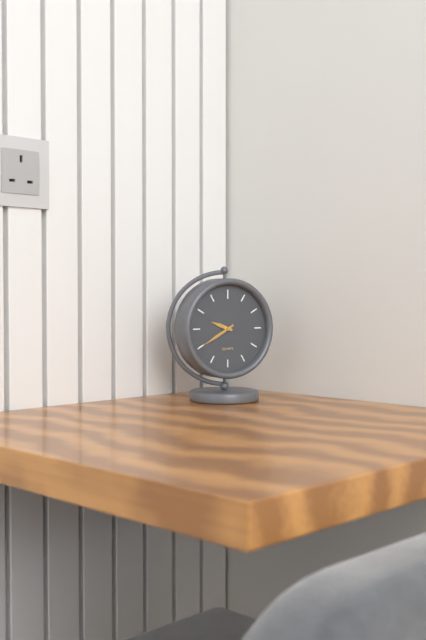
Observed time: 9:40
